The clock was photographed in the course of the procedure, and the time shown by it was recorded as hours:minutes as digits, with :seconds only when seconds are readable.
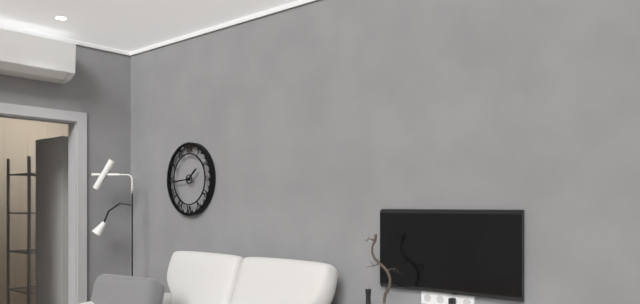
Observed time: 1:44
